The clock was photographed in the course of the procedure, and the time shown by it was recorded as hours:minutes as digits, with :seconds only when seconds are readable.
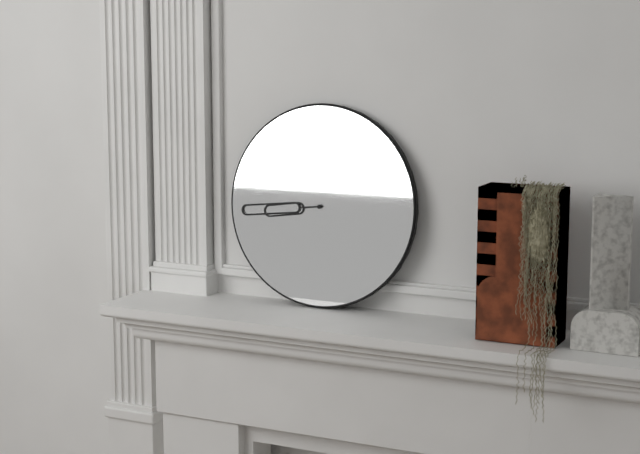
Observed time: 8:44
